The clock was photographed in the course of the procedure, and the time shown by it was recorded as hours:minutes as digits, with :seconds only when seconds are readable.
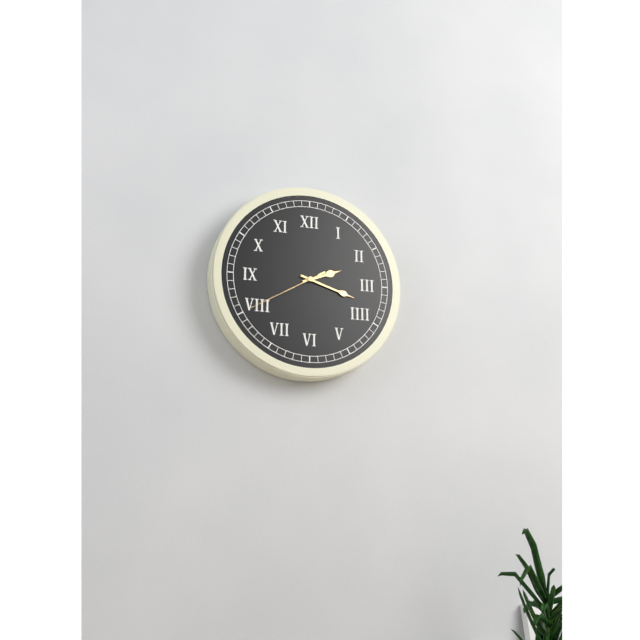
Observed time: 2:18:40
